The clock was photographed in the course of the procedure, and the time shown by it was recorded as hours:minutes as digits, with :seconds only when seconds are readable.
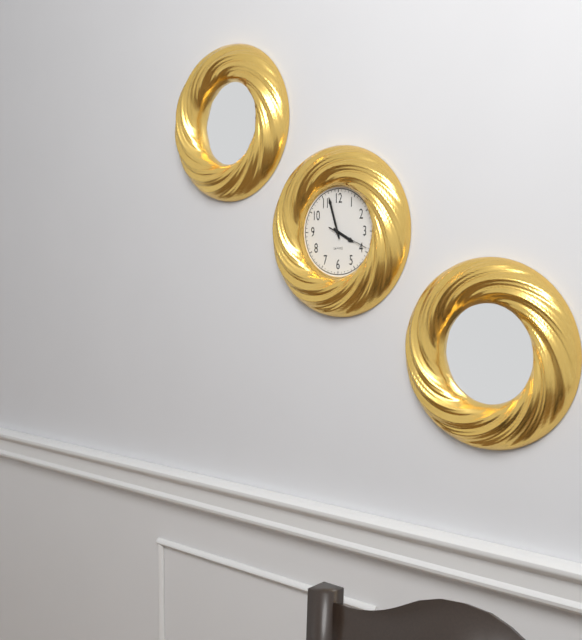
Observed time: 3:57
